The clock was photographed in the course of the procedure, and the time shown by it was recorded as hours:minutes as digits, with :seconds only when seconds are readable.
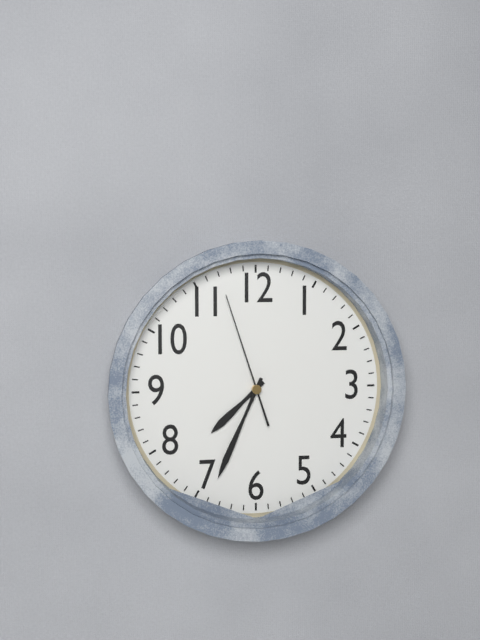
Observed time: 7:34:57
